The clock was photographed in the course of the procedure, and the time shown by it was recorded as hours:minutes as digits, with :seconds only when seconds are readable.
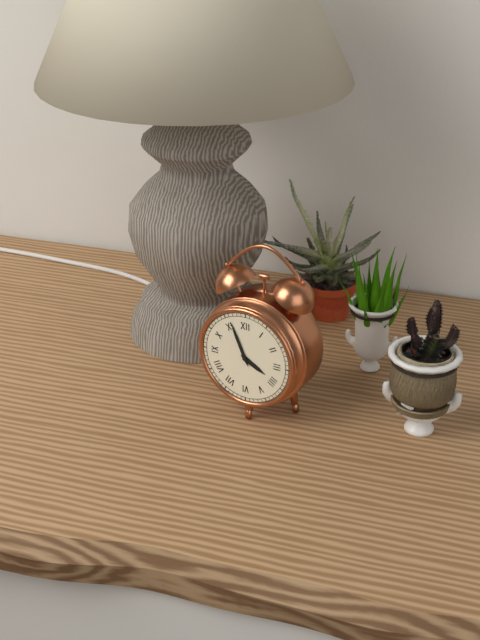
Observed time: 3:56
